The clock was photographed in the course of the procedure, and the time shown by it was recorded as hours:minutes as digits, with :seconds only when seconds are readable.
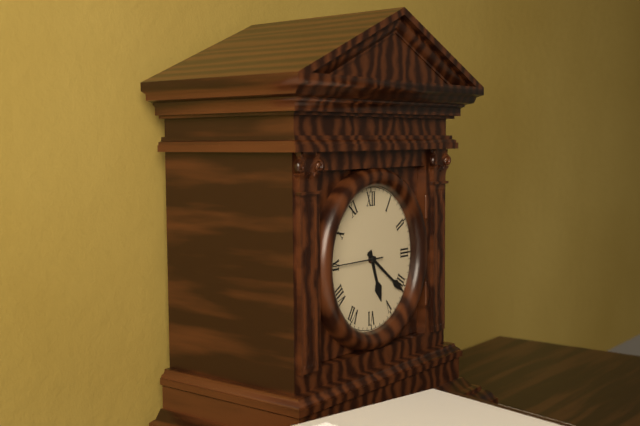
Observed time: 5:21:45
